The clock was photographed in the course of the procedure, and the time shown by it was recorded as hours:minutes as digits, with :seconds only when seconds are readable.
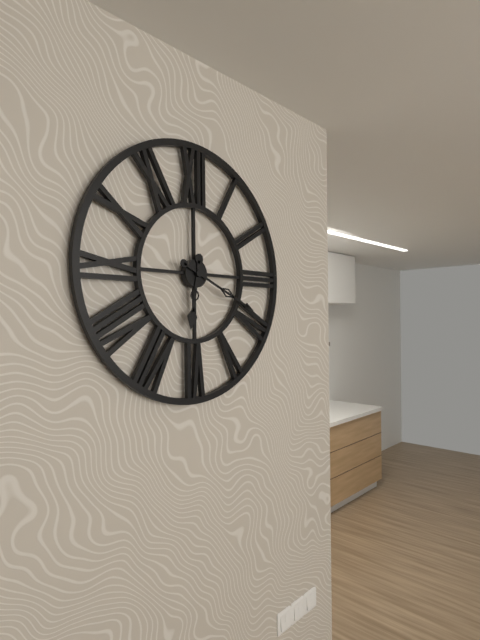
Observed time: 6:19
